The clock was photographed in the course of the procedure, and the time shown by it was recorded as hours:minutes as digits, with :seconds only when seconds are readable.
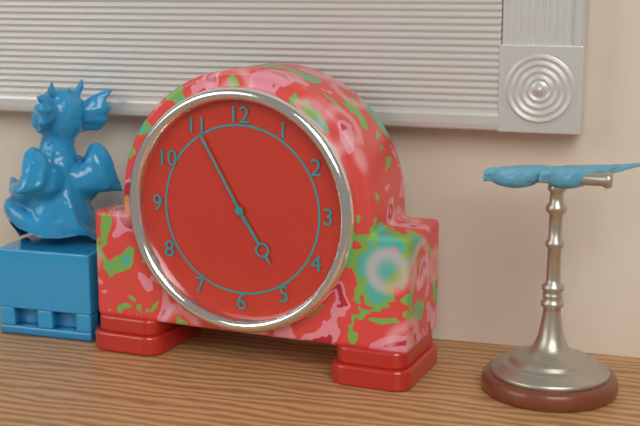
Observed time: 4:55
